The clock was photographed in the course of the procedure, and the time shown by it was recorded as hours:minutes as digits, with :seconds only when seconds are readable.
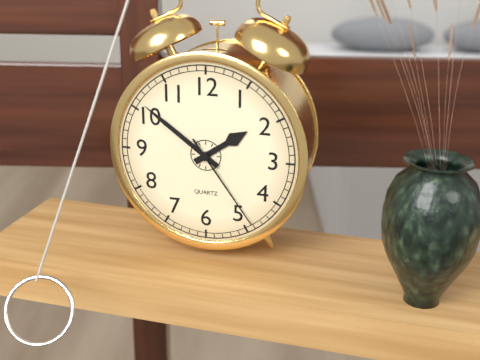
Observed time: 1:51:24
